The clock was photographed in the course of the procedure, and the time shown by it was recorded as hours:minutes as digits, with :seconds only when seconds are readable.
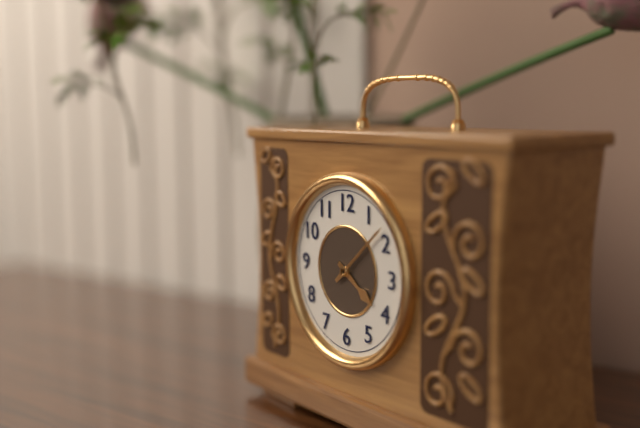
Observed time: 4:08
